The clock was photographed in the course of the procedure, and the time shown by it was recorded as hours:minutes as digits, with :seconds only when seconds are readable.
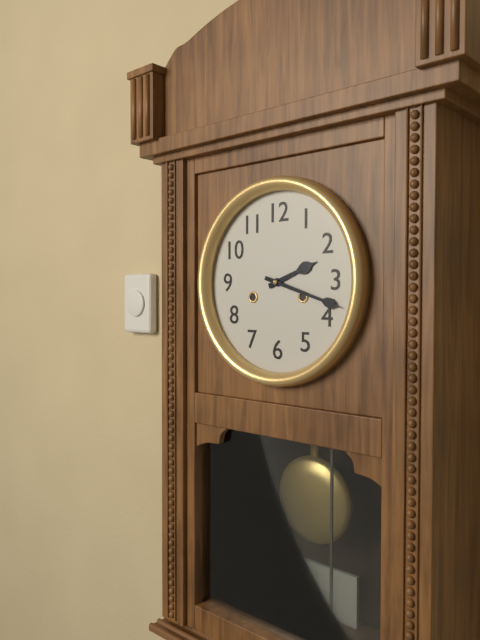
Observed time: 2:18
